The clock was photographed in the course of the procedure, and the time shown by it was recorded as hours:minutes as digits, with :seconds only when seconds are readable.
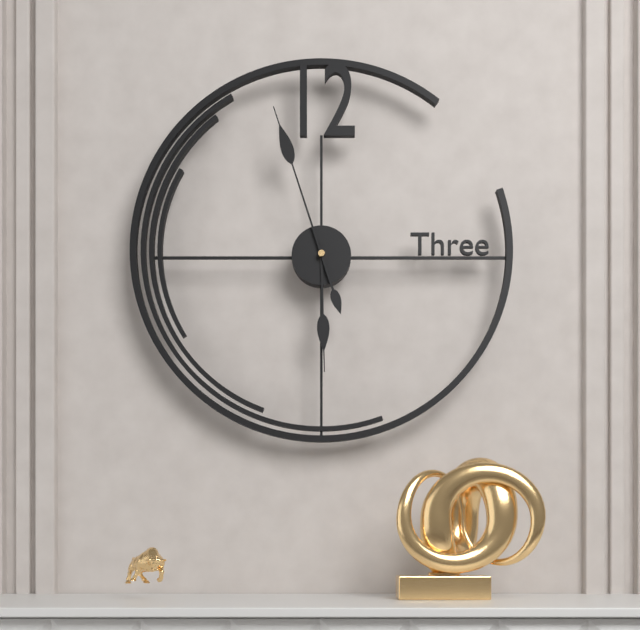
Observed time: 5:57
